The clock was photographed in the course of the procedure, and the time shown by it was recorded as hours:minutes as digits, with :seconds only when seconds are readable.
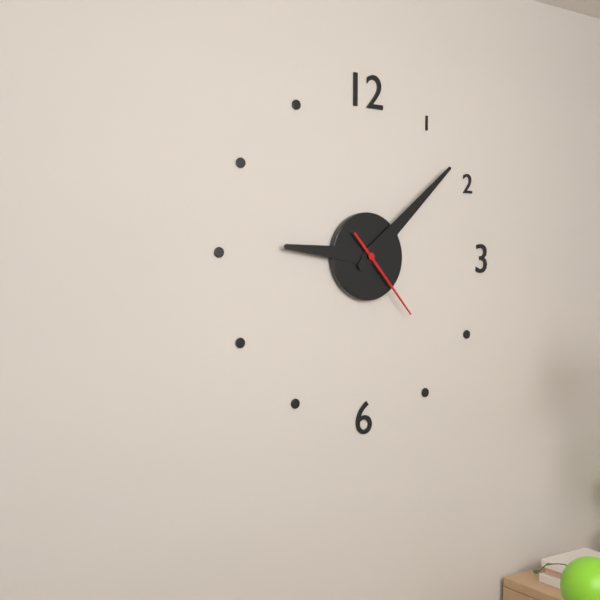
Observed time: 9:08:23
